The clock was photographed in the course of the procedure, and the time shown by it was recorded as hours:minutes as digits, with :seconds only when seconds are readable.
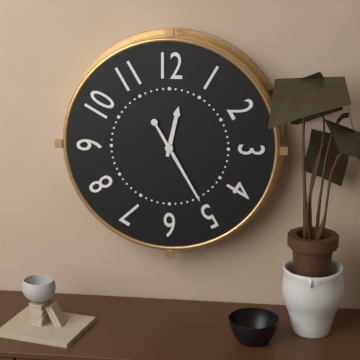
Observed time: 12:25
